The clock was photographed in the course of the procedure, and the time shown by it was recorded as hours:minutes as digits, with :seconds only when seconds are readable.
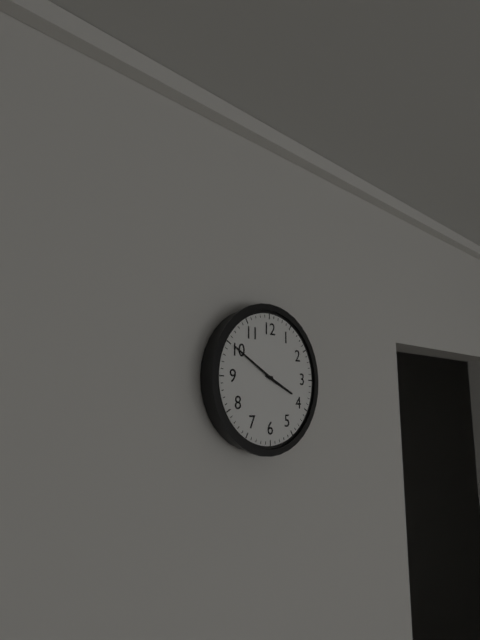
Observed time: 3:50
